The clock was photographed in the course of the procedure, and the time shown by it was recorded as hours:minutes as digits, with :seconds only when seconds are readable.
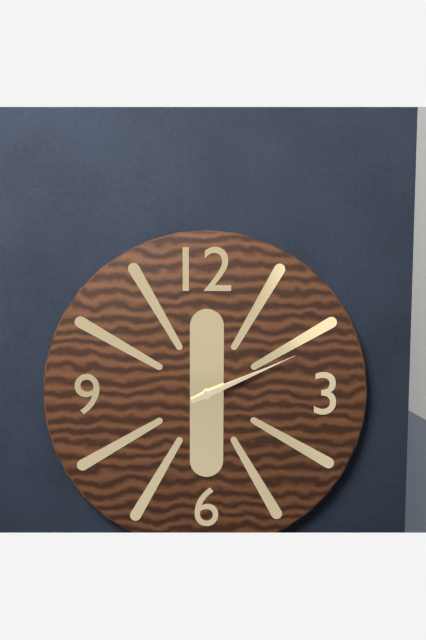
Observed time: 2:11
